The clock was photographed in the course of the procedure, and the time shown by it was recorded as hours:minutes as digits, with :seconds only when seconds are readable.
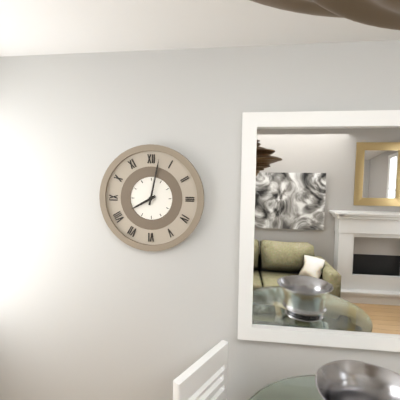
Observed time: 8:02
